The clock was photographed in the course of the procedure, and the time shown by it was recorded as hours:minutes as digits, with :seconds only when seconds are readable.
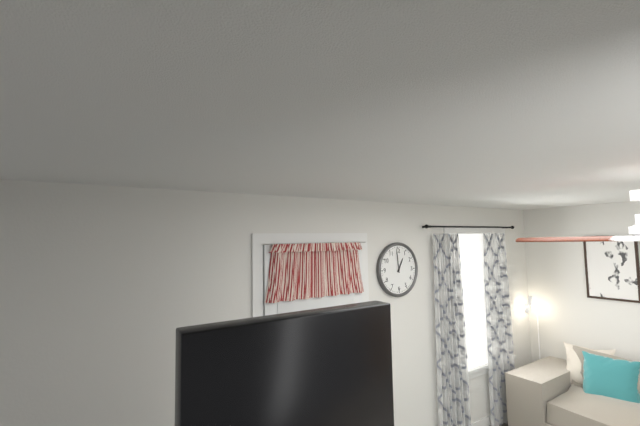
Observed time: 12:59
